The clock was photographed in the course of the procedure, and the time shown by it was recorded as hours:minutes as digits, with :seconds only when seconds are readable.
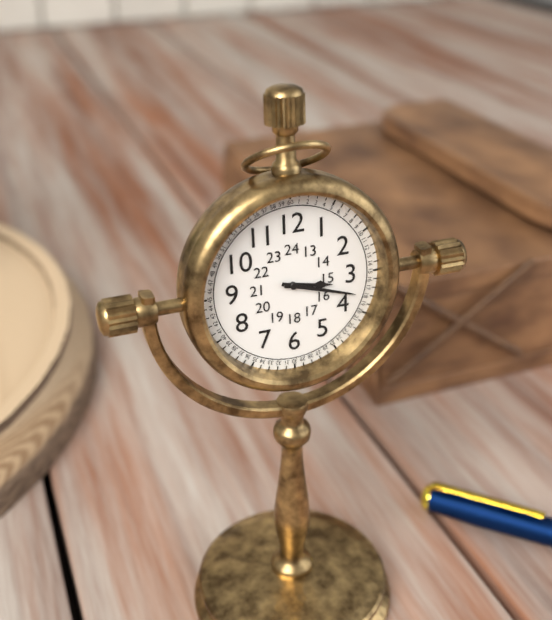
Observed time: 3:18
